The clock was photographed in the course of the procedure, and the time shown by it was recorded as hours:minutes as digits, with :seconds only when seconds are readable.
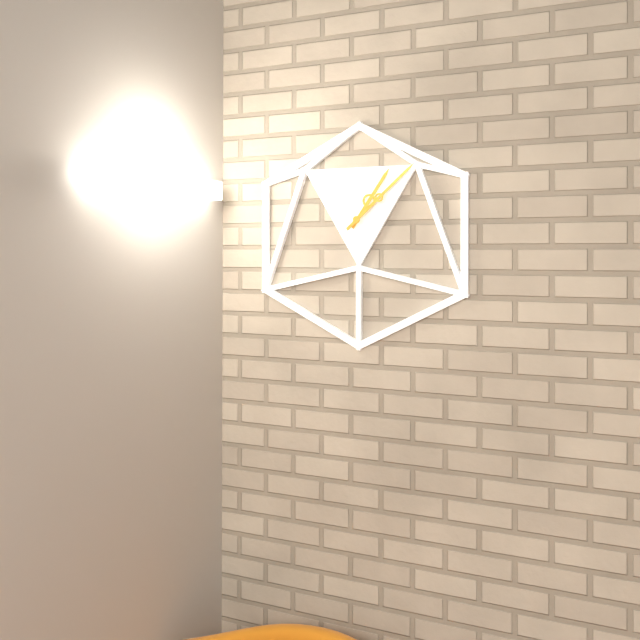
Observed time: 1:08
